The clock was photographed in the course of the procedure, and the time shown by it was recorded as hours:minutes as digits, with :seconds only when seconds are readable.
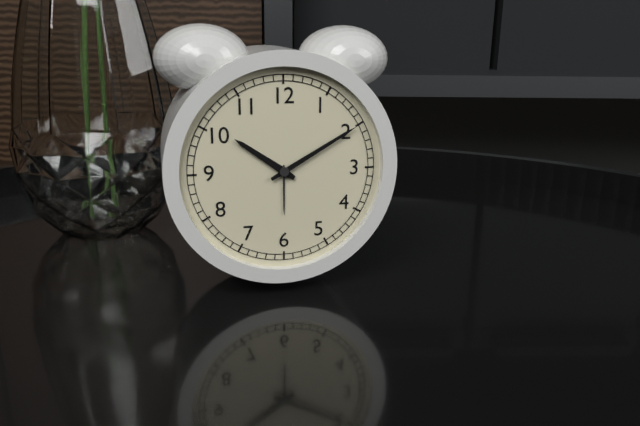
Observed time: 10:10
